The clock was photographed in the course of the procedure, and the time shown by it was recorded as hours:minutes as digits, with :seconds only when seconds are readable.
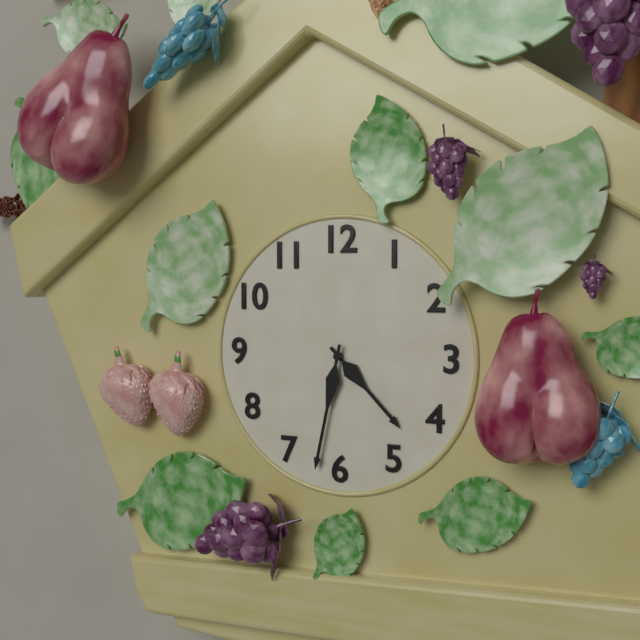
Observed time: 4:32
